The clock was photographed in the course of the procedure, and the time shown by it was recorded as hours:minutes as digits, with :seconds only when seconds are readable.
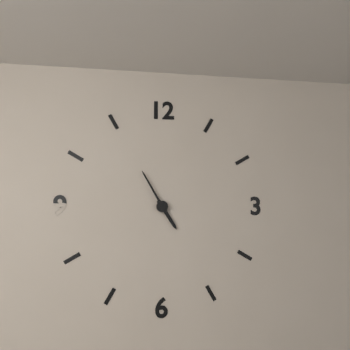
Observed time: 4:55
